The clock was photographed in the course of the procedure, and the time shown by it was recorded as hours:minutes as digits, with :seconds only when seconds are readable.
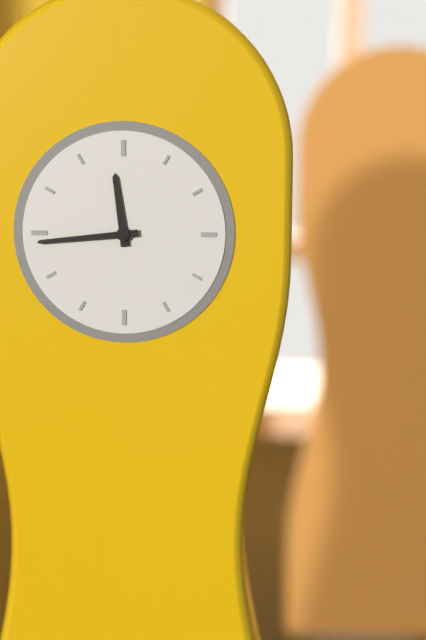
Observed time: 11:44
